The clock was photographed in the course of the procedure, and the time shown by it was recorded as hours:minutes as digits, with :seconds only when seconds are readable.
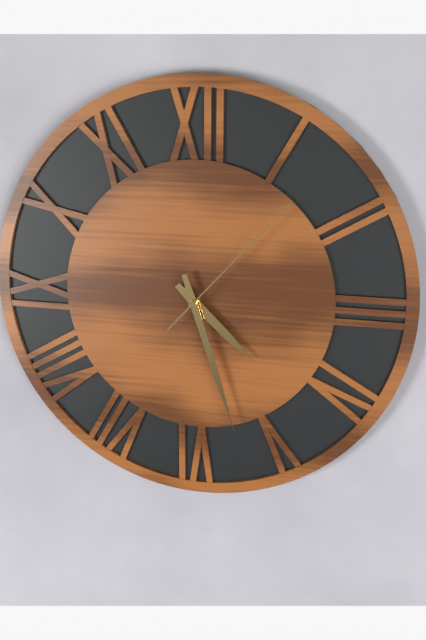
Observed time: 4:27:07
